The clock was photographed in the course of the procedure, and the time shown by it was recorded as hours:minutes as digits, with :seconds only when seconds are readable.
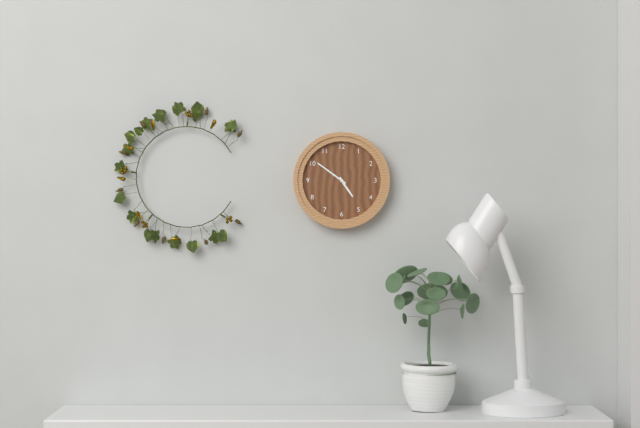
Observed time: 4:51
